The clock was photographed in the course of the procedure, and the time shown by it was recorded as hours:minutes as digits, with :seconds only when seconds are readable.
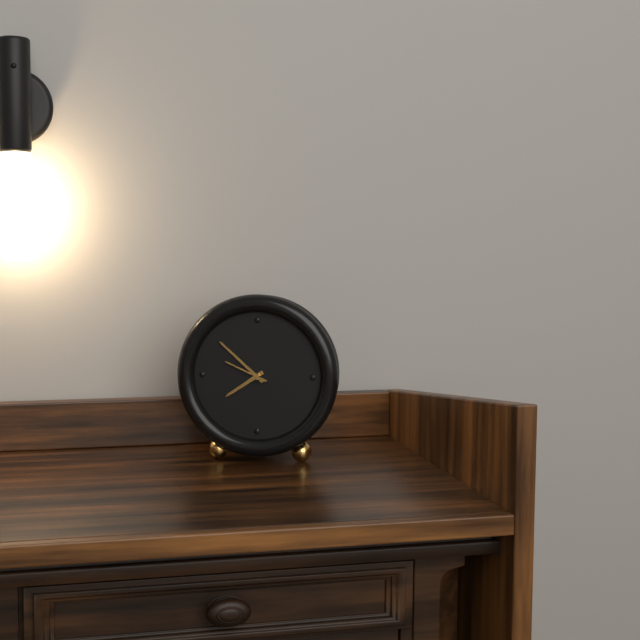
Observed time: 7:52
